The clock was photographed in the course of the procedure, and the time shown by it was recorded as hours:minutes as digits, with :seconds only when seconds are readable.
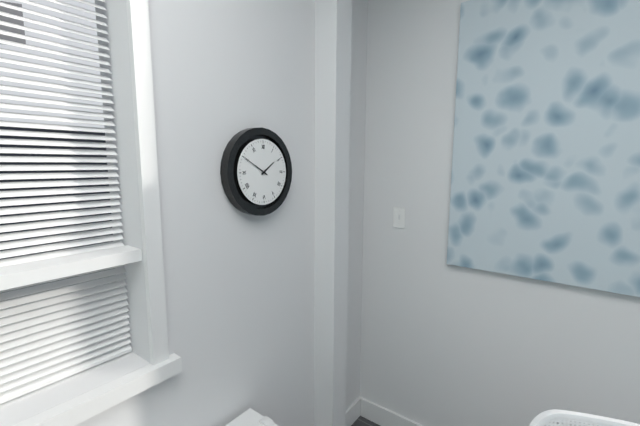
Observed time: 1:50
